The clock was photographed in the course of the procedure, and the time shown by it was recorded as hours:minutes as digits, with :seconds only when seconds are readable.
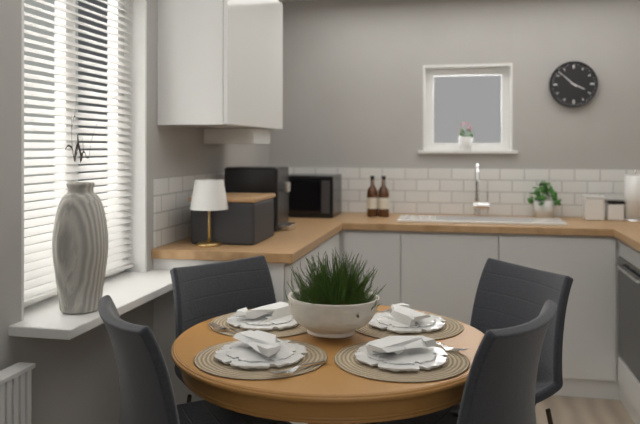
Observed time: 3:52
